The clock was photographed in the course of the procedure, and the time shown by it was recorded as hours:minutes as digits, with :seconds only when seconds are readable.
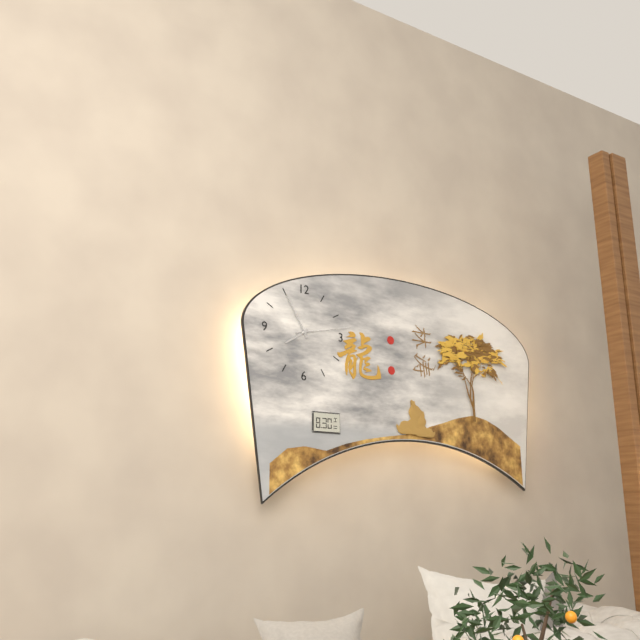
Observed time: 7:55:13
